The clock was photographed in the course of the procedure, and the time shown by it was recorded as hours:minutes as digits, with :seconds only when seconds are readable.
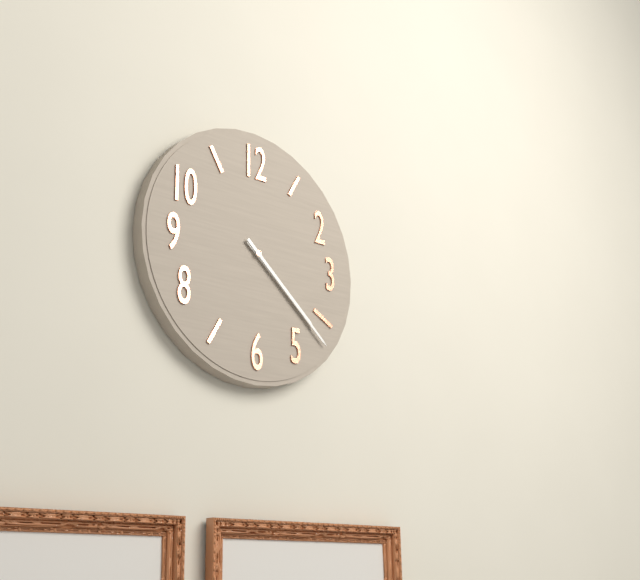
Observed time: 4:22
